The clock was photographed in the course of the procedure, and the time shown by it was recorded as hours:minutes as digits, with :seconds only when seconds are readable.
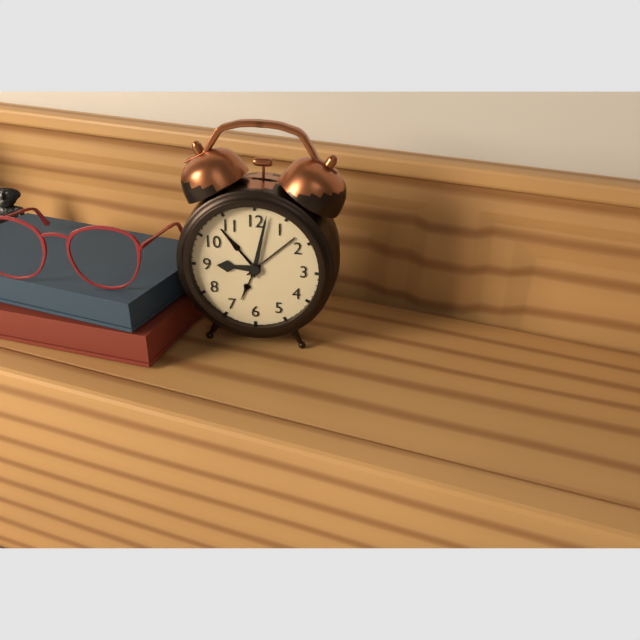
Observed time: 9:02
